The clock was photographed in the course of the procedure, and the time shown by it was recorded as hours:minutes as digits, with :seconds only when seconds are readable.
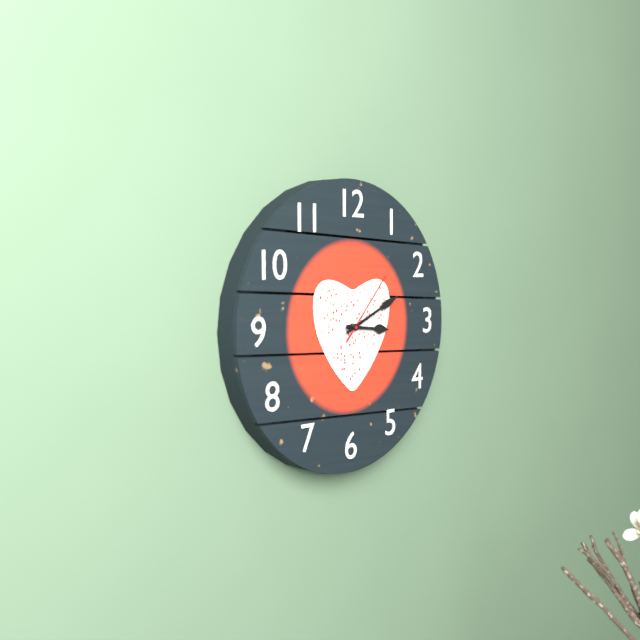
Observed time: 3:11:07
